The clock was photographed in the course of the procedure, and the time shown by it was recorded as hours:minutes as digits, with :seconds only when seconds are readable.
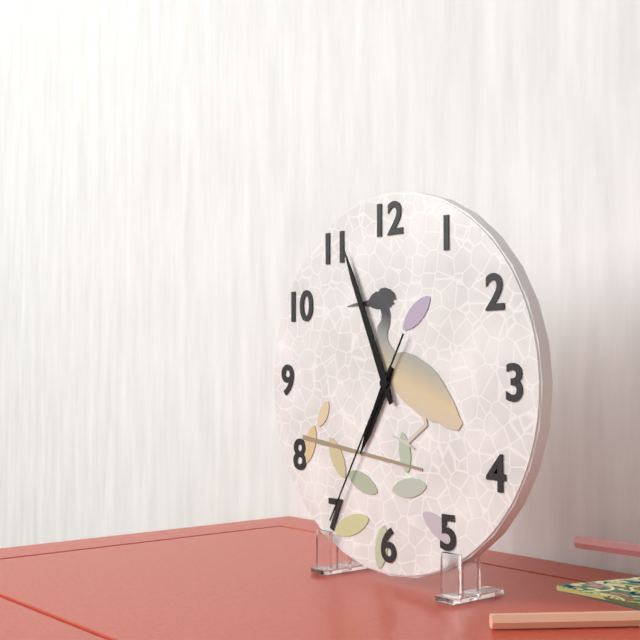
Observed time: 6:56:35
